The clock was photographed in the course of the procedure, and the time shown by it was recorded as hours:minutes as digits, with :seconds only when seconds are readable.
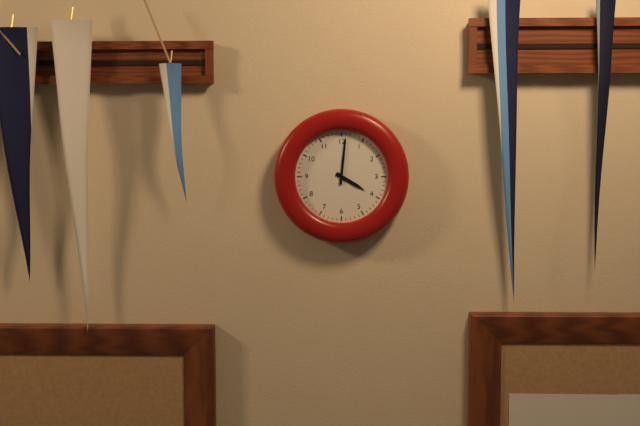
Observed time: 4:01
